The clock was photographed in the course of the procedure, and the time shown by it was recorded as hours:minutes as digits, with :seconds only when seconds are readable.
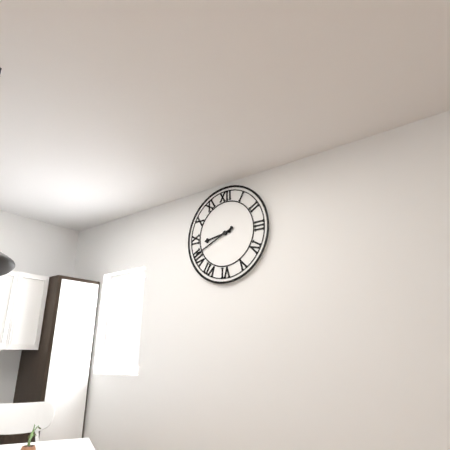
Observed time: 8:41
